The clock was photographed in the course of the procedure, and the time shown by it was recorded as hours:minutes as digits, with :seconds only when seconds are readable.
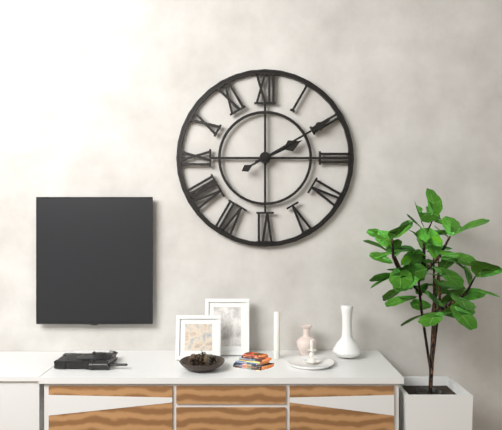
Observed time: 2:10
